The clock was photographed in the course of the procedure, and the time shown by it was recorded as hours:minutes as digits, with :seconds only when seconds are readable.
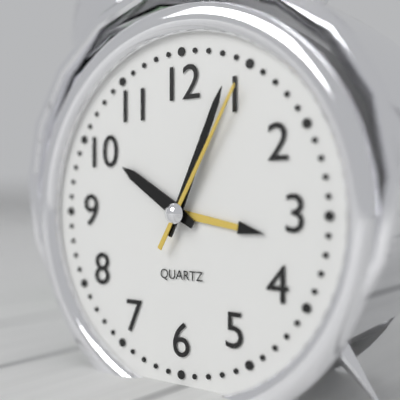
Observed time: 10:04:05
